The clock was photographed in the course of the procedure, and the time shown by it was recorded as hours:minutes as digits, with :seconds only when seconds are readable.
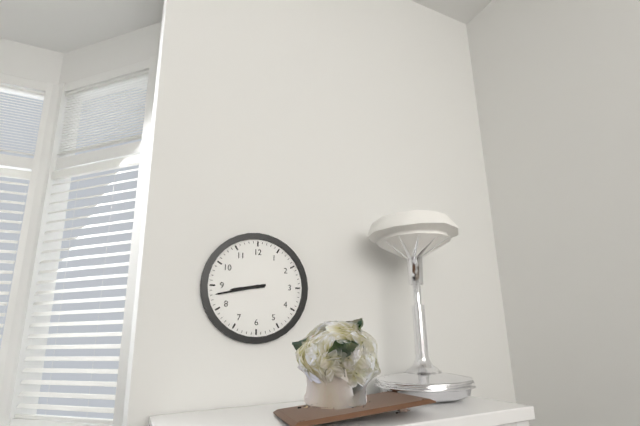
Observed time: 8:43
